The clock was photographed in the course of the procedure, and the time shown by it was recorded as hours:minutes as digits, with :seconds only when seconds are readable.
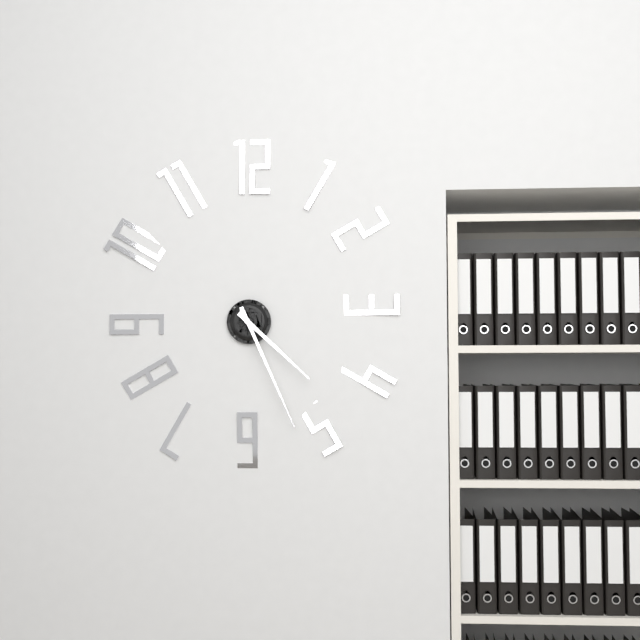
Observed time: 4:26
